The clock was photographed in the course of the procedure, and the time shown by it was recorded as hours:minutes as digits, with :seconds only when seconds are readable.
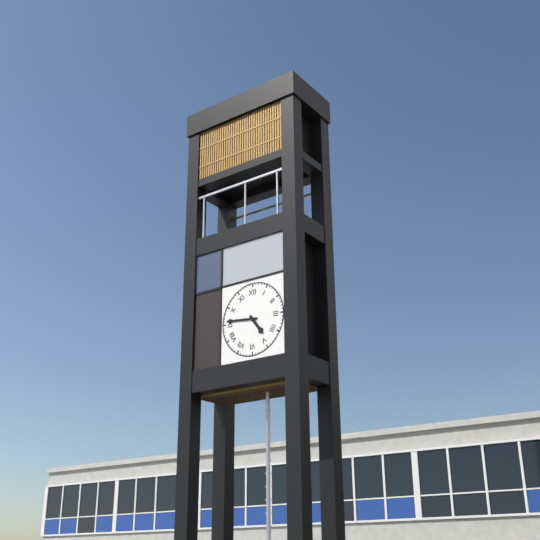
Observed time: 4:46
